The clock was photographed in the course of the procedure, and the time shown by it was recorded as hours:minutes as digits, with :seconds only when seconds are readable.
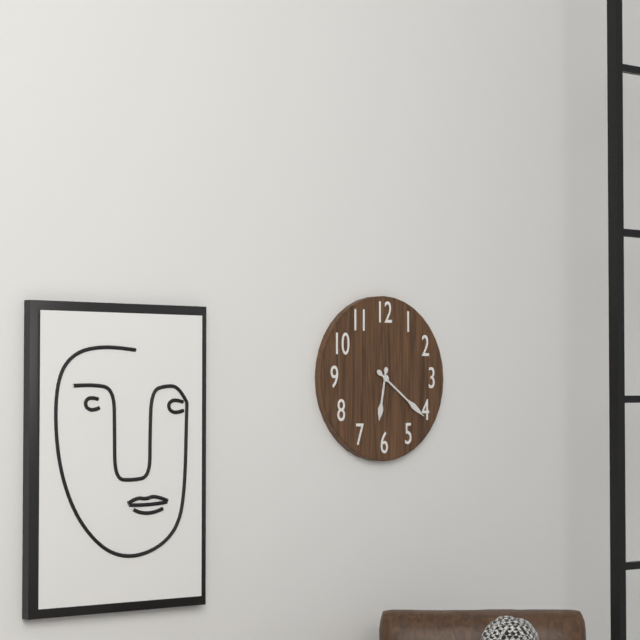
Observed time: 6:21
